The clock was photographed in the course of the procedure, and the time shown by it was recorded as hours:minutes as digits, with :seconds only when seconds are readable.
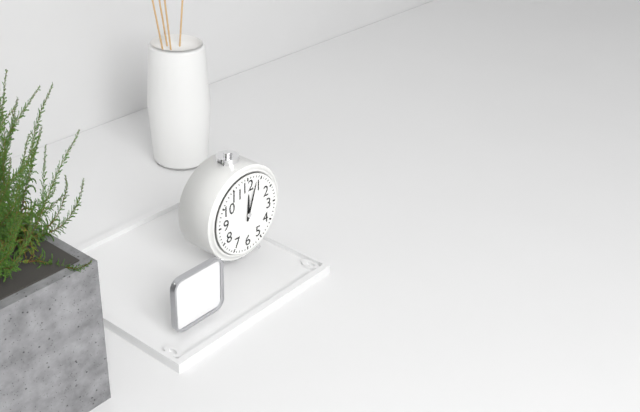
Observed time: 12:03
